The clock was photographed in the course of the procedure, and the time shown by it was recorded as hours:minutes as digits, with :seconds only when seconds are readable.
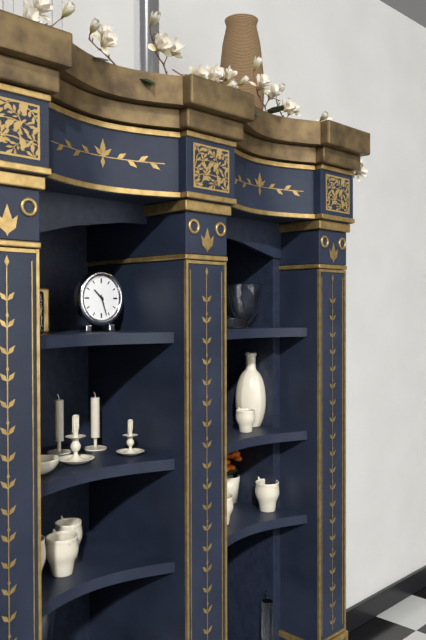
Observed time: 10:27
